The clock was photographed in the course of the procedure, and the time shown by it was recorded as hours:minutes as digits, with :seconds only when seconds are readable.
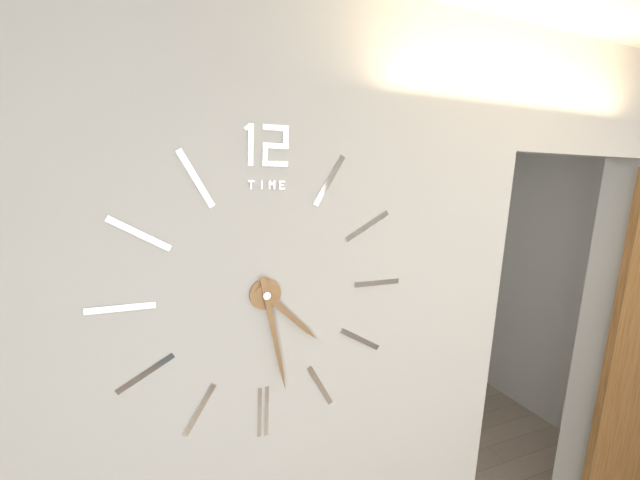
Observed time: 4:28
